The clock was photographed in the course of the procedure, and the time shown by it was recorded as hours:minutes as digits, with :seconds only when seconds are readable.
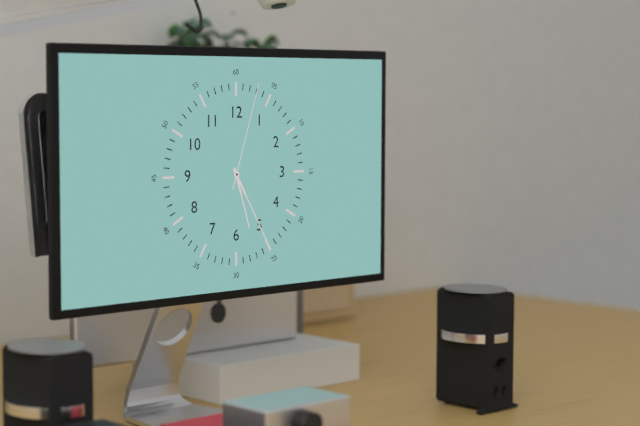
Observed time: 5:25:03
